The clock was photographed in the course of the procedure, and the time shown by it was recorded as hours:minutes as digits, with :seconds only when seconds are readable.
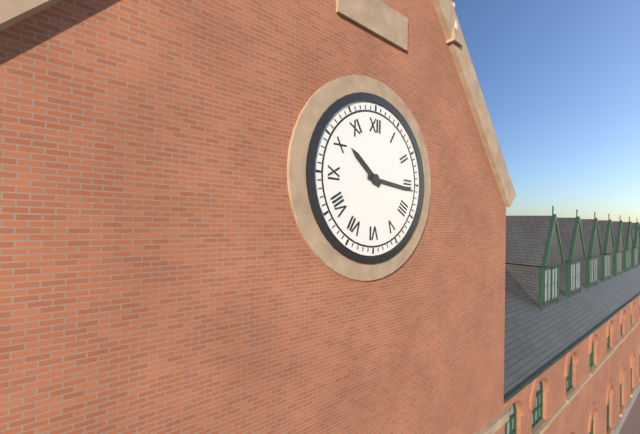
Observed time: 10:16
